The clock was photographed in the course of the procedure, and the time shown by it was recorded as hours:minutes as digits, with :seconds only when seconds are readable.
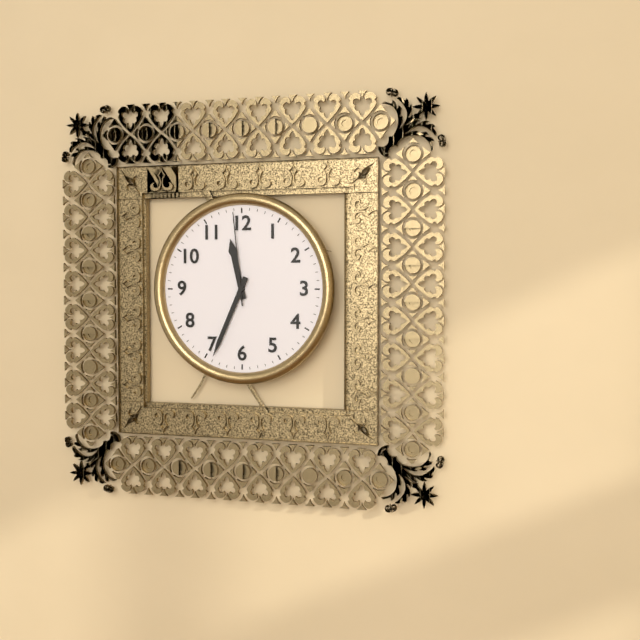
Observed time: 11:34:59
